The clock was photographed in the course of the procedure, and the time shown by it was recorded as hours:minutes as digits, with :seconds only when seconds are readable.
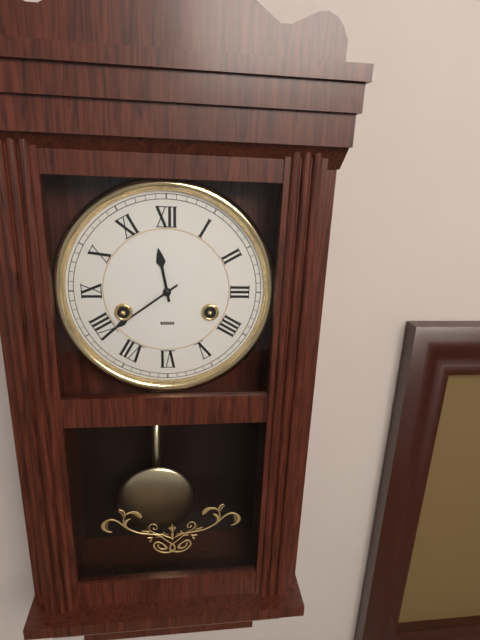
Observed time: 11:39
